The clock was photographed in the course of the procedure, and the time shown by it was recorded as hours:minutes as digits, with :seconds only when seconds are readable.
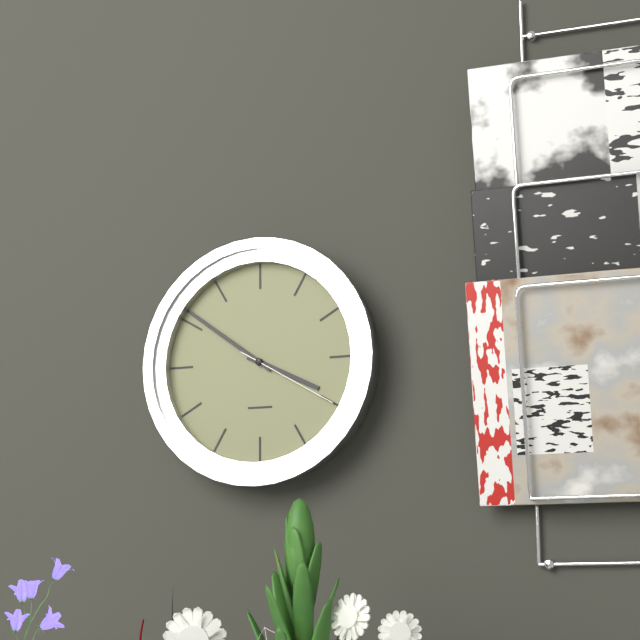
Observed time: 3:51:20
